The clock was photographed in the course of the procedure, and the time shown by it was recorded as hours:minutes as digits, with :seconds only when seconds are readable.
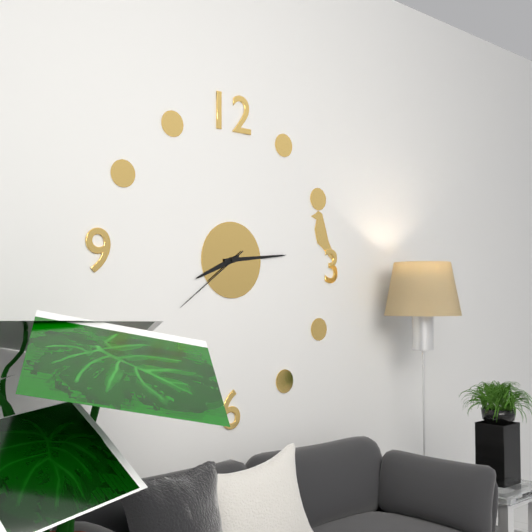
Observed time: 8:14:39
